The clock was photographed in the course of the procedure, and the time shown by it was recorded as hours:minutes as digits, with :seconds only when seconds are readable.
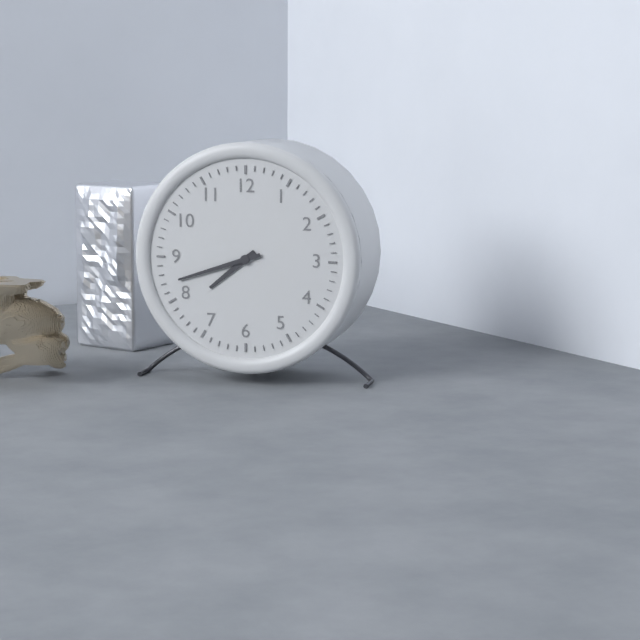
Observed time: 7:42
